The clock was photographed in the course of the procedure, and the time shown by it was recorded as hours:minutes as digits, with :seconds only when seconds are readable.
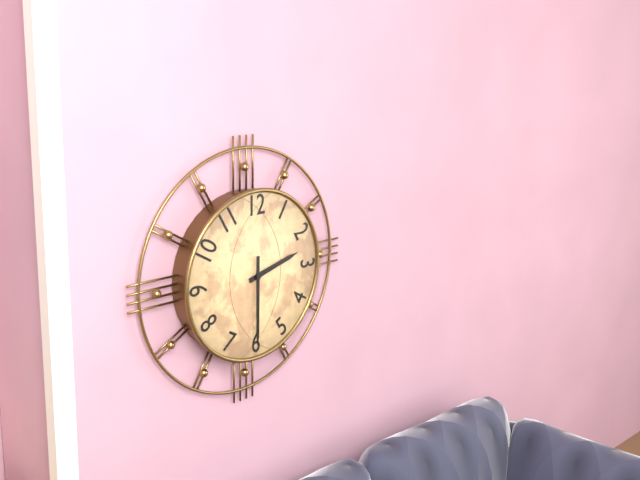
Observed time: 2:30
